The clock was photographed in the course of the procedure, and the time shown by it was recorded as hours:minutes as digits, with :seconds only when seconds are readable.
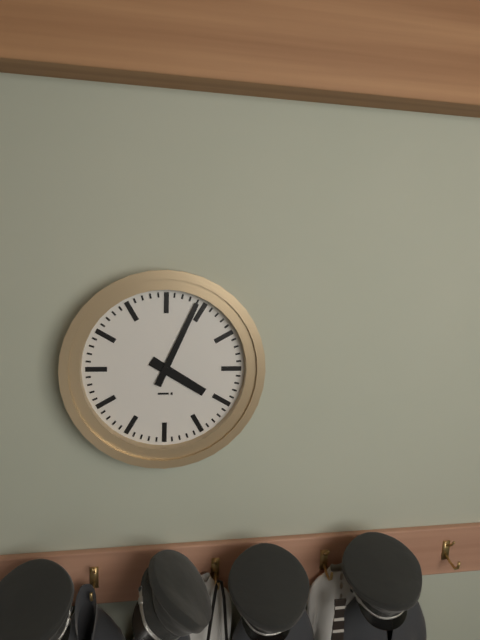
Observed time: 4:04
